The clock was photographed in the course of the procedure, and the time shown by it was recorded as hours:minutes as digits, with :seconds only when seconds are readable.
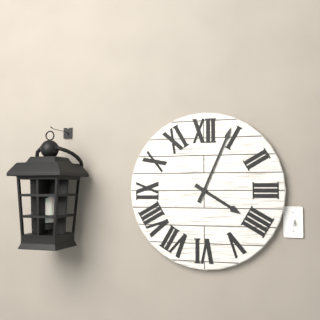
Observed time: 4:04
